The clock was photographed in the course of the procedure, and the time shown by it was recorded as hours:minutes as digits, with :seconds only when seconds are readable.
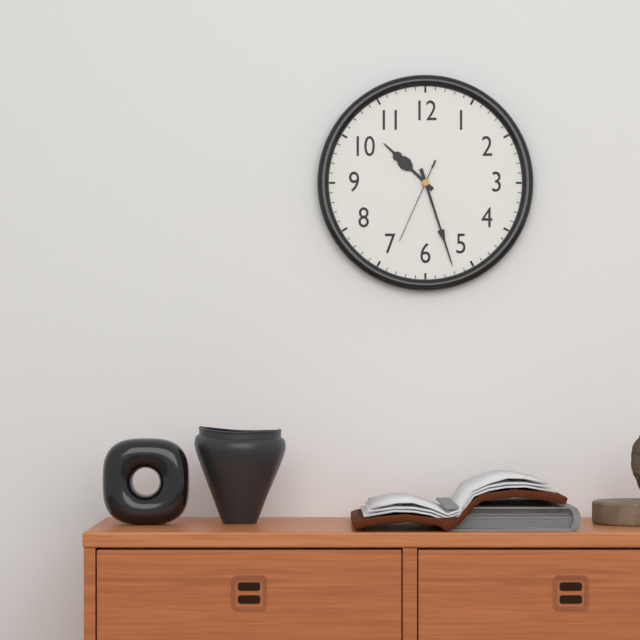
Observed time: 10:27:34
